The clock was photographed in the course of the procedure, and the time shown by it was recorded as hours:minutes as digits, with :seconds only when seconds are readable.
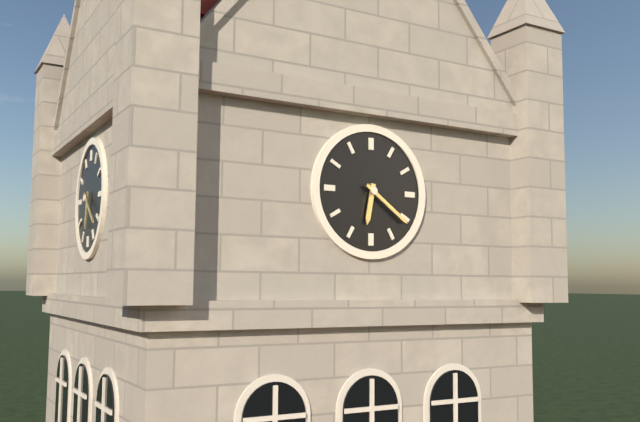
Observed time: 6:21
